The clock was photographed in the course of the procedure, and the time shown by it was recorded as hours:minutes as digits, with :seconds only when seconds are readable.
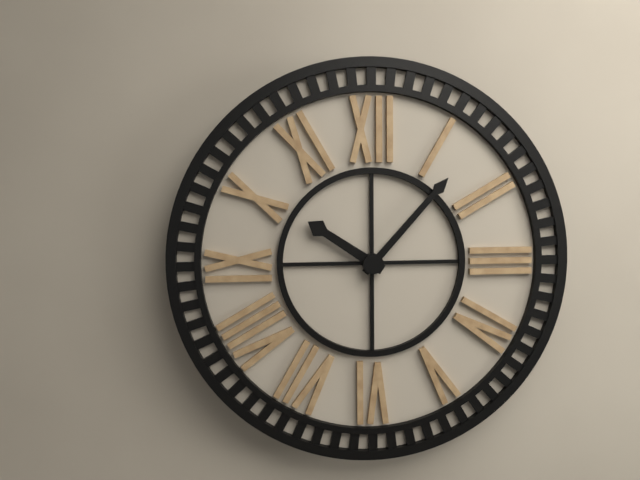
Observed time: 10:07
